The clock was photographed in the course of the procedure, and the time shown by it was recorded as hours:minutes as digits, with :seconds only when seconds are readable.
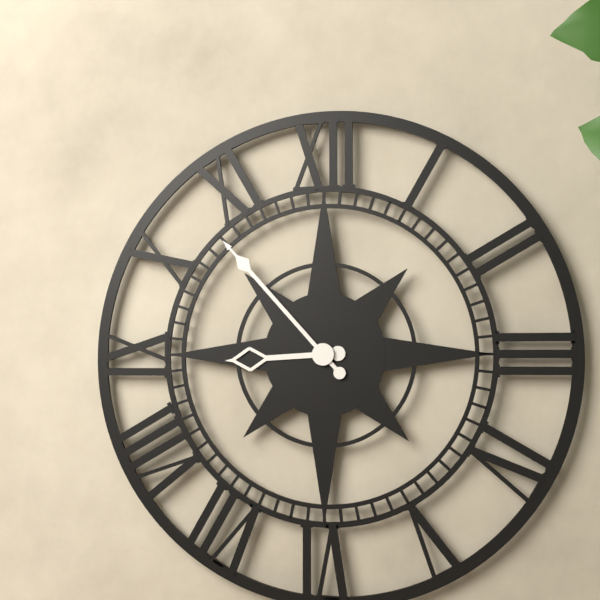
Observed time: 8:53
